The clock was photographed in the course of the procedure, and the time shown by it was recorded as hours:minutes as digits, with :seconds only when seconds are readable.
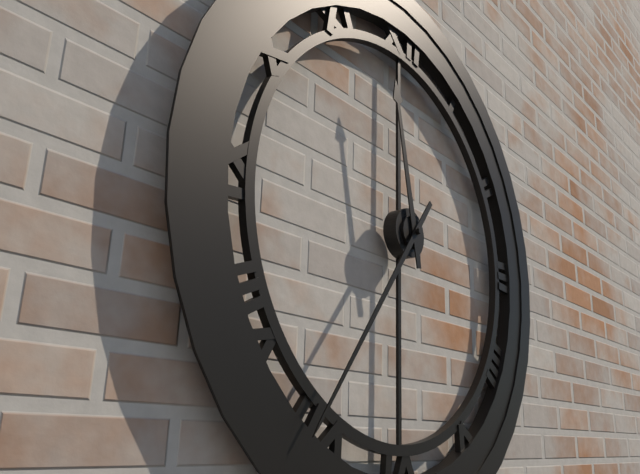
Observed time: 11:36
